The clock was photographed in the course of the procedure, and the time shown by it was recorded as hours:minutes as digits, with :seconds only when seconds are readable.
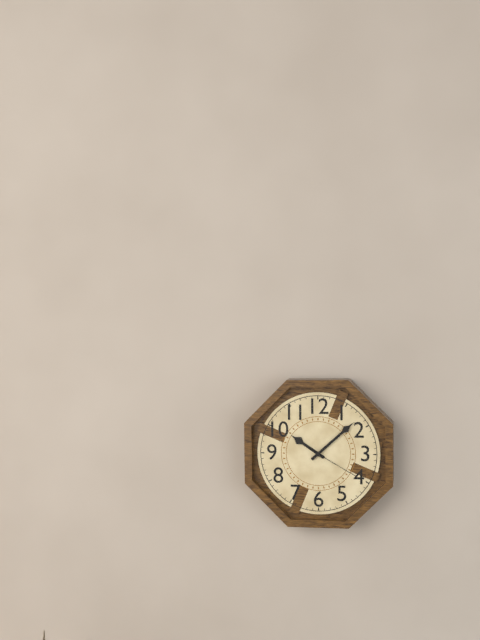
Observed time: 10:08:20
